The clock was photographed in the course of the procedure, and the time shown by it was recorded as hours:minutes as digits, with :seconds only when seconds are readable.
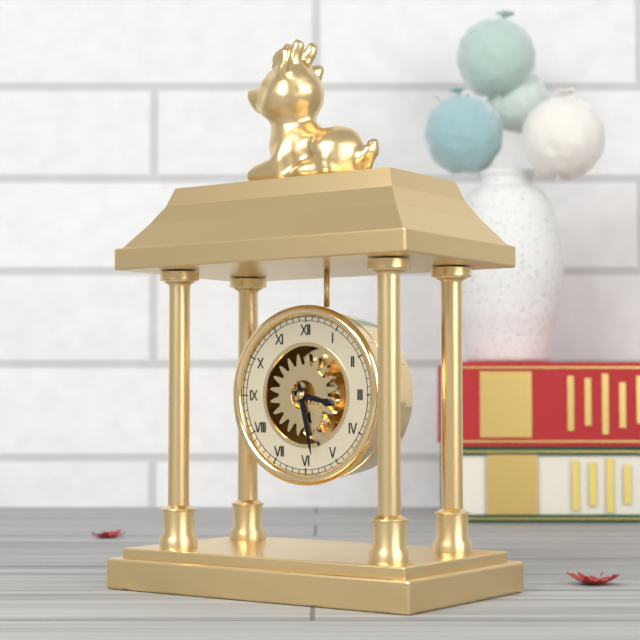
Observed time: 3:28
